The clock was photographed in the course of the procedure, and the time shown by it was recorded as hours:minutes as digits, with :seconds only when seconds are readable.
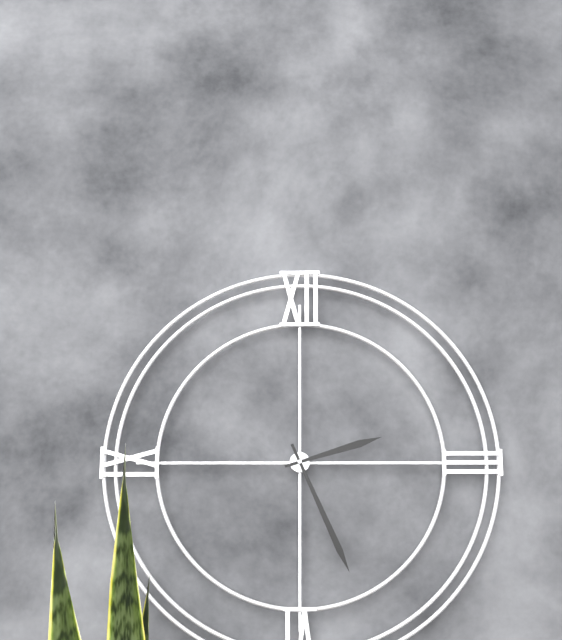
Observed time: 2:26
